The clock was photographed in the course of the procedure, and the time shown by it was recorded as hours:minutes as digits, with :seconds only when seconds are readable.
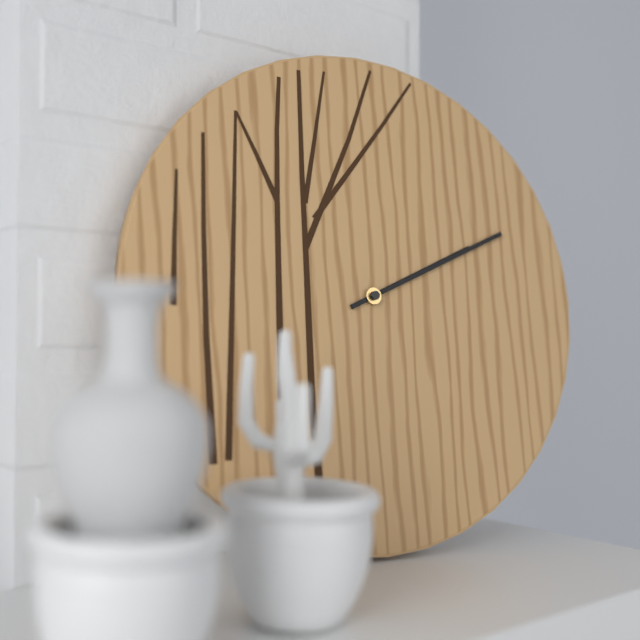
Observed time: 2:11
